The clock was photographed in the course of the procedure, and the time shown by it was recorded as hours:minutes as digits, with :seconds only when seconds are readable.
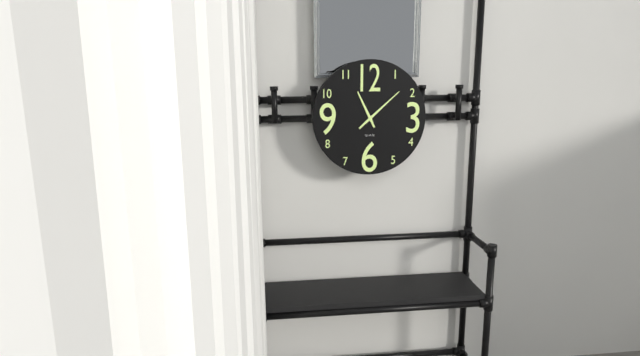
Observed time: 11:08
